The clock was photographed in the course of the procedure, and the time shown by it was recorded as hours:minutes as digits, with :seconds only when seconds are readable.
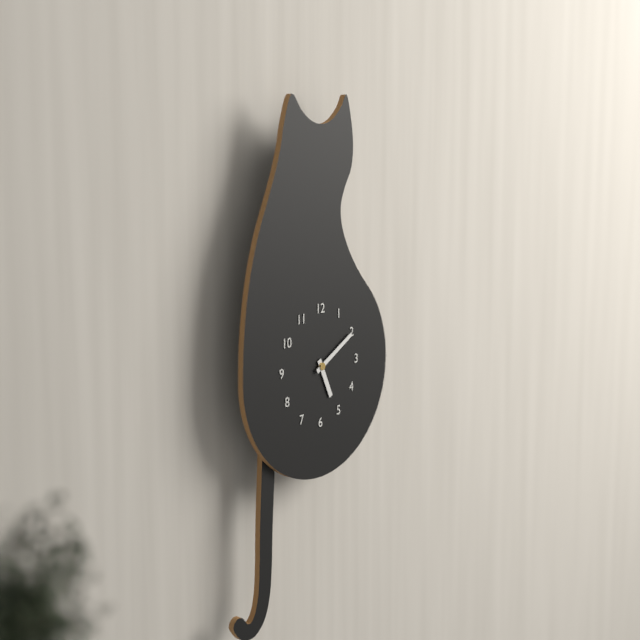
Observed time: 5:10
